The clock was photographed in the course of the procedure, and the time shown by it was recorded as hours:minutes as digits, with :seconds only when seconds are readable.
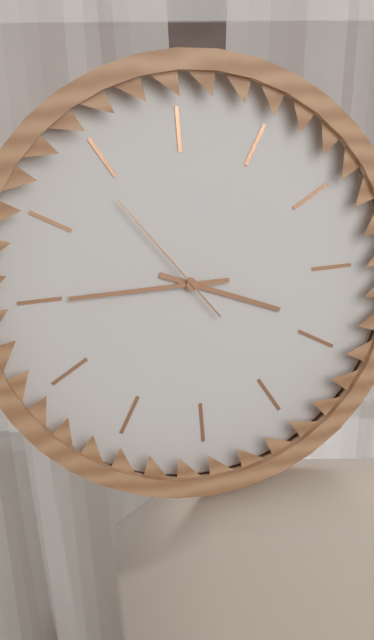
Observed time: 3:45:54
